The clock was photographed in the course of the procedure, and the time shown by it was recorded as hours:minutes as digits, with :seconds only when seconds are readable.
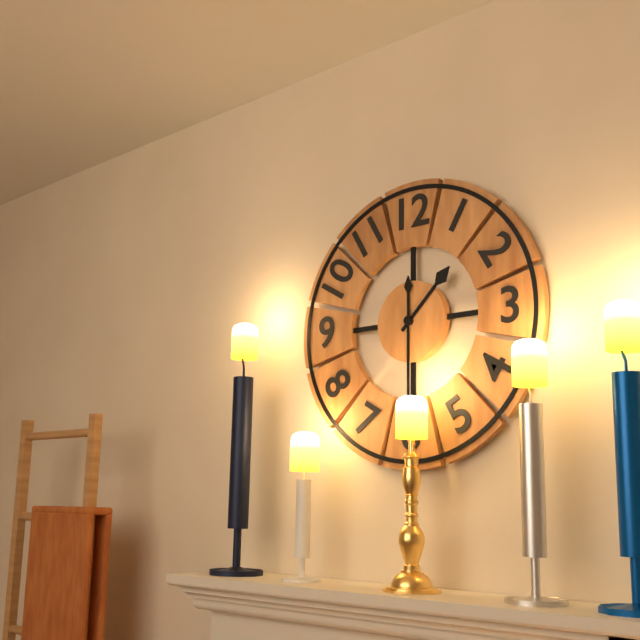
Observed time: 1:30
